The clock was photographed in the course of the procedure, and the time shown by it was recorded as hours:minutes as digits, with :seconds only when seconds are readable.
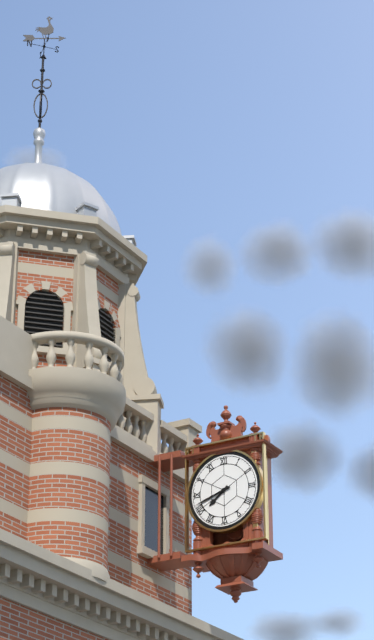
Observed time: 7:42
